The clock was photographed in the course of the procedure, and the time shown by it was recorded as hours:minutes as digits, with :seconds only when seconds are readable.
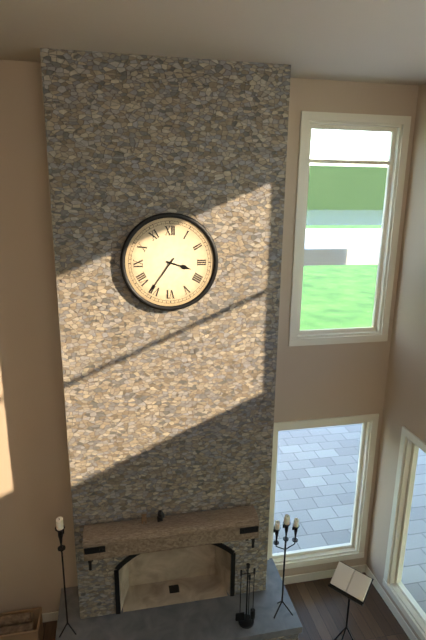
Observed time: 3:36
